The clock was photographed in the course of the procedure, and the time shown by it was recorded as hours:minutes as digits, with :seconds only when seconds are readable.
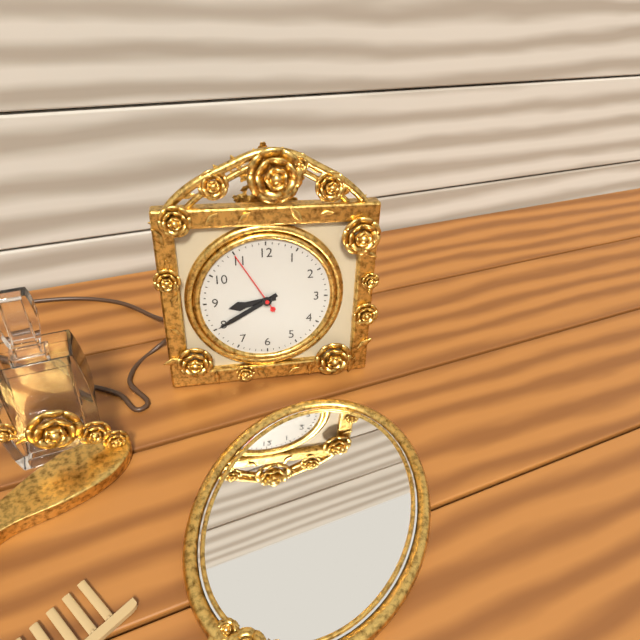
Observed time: 8:40:55
